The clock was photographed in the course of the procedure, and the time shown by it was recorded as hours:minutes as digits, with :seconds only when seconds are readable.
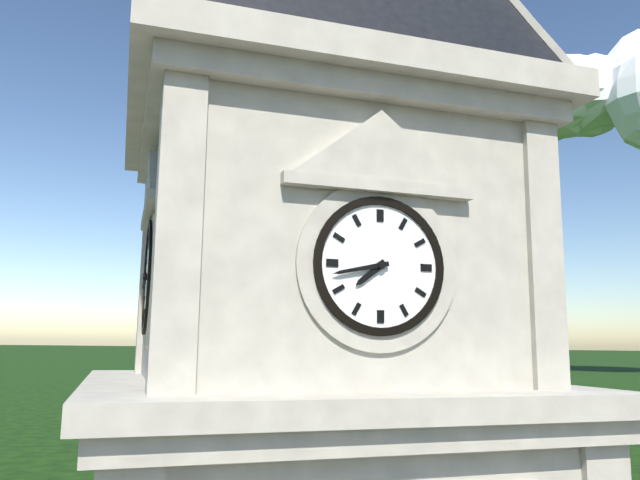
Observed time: 7:43
